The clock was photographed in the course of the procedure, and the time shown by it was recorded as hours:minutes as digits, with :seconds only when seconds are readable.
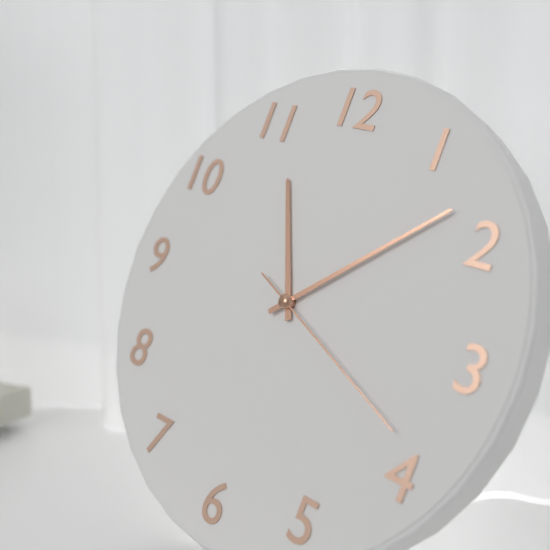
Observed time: 11:08:19
